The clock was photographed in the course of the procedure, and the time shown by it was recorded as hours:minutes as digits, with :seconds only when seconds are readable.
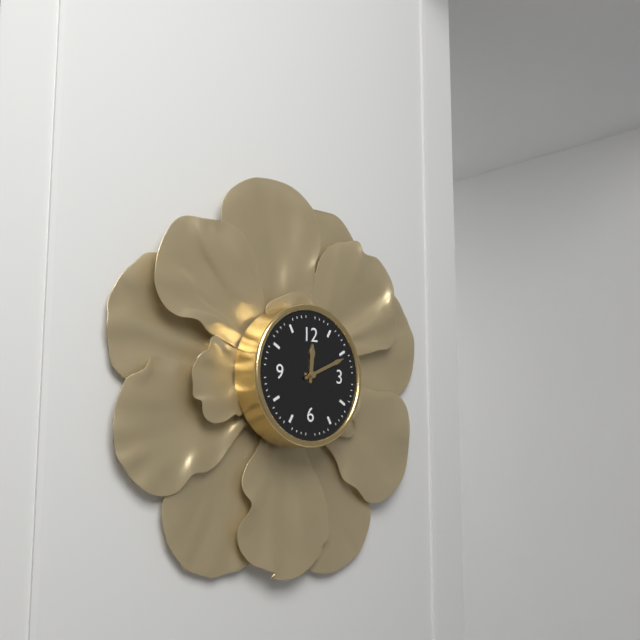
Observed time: 12:11
